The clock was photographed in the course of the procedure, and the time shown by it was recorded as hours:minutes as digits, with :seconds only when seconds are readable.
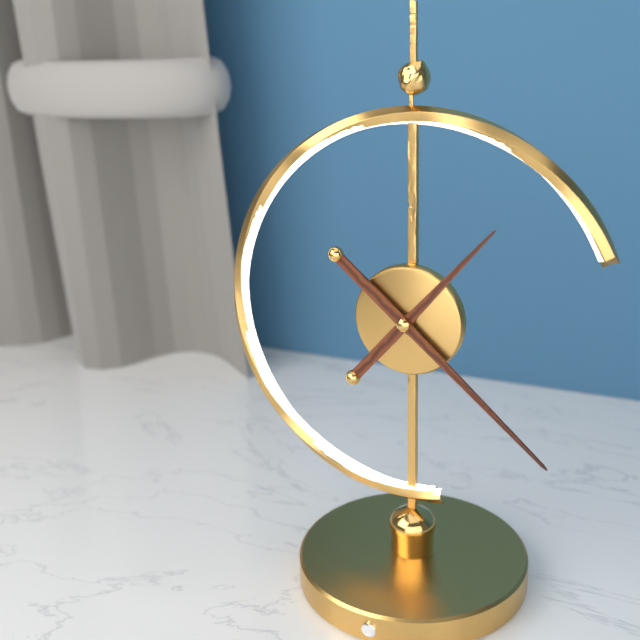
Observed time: 1:22
